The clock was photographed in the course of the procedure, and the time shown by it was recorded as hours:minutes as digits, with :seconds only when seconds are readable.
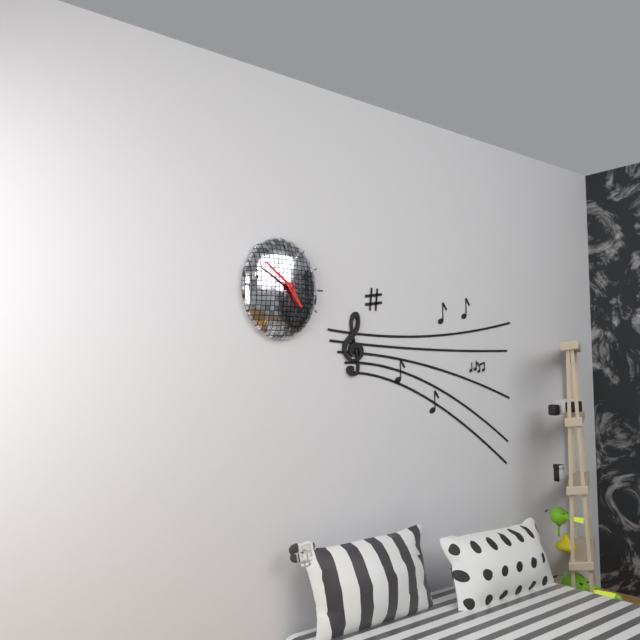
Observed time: 4:51
